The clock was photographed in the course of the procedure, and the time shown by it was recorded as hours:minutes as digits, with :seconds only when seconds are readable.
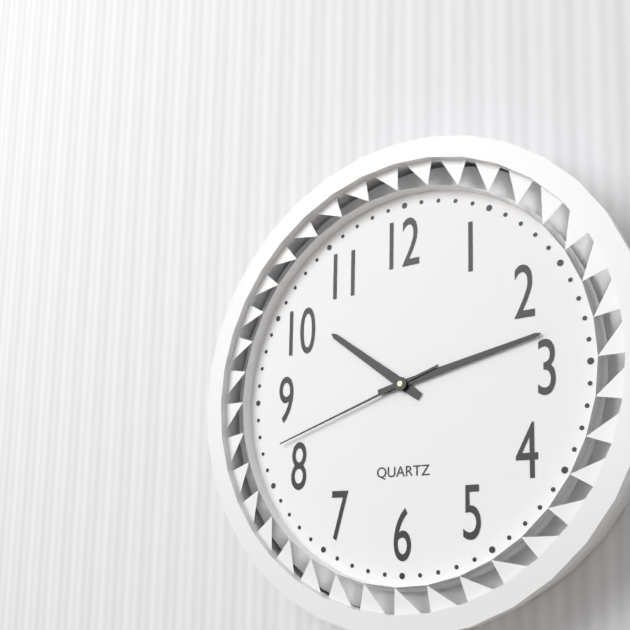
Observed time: 10:13:42
